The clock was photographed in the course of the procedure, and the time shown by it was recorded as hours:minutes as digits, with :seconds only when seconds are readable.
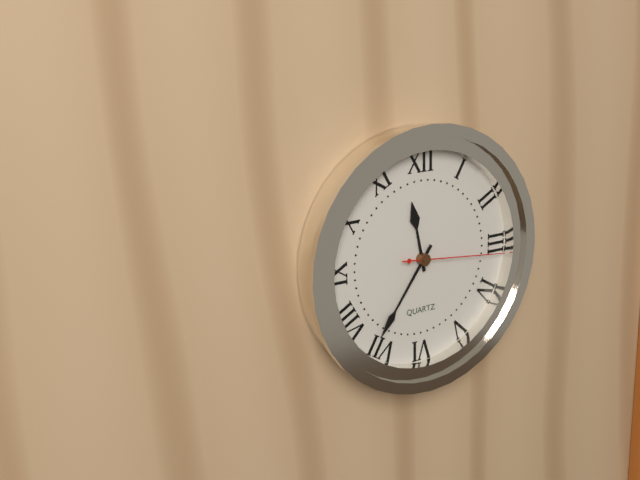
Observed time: 11:36:16
